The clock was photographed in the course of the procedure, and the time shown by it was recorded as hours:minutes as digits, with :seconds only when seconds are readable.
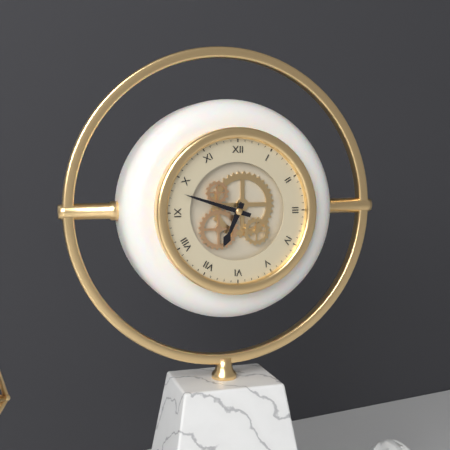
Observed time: 6:48
